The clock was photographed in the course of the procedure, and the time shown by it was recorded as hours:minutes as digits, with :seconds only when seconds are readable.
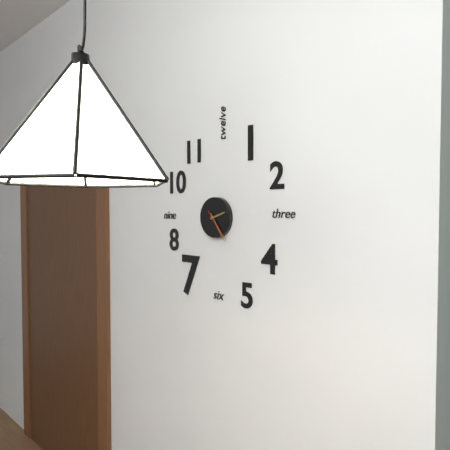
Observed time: 2:24
